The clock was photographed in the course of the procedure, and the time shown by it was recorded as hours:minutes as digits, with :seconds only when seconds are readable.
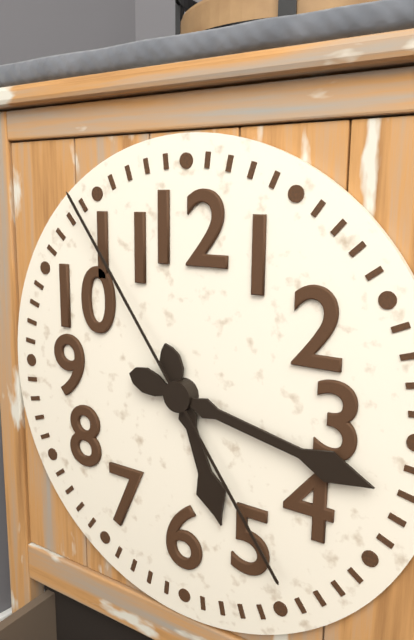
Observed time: 5:17:54
